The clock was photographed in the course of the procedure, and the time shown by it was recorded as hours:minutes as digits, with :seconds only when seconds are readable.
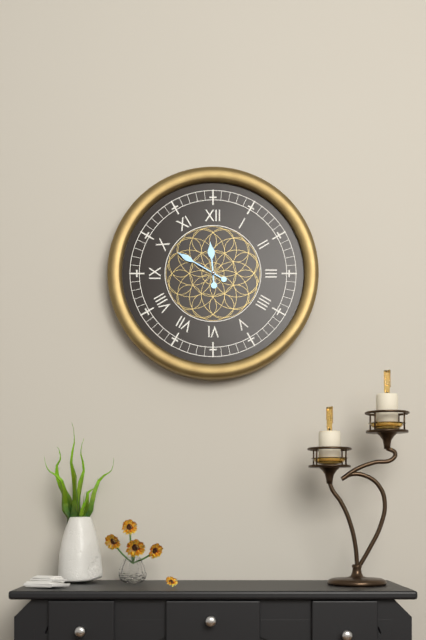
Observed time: 11:50
